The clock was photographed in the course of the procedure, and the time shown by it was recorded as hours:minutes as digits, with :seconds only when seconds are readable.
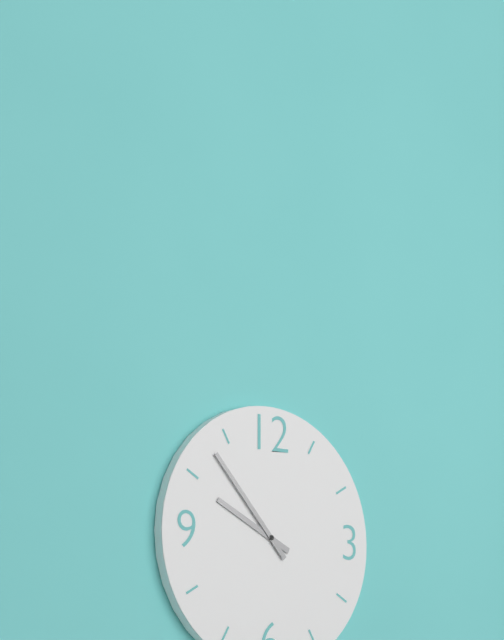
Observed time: 9:53
